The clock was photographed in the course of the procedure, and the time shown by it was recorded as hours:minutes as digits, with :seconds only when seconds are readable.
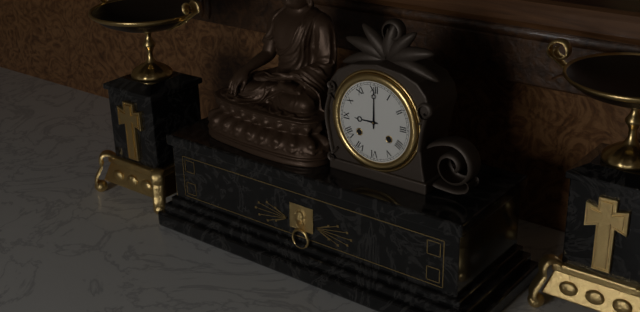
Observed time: 9:00
